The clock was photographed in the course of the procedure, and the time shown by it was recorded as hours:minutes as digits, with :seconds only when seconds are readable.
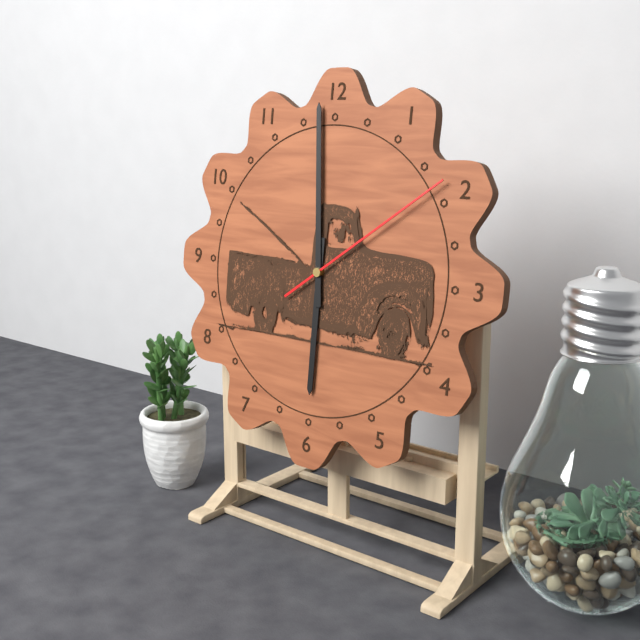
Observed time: 5:59:09
